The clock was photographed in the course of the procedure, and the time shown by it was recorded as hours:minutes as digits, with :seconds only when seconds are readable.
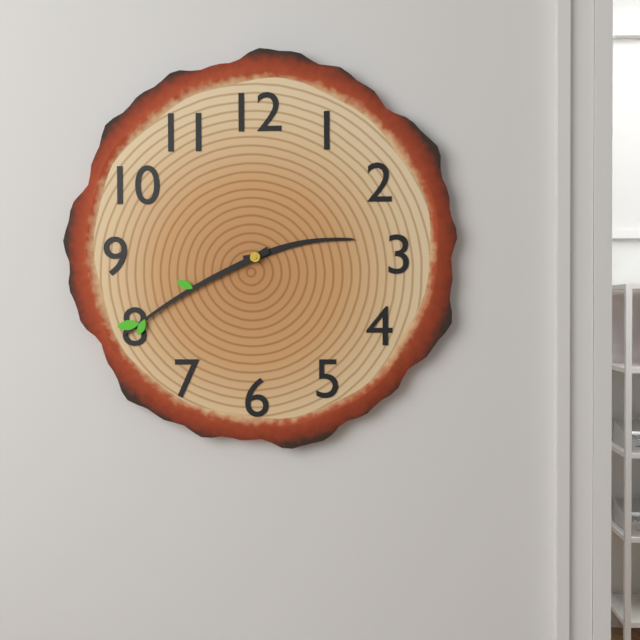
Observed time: 2:40
